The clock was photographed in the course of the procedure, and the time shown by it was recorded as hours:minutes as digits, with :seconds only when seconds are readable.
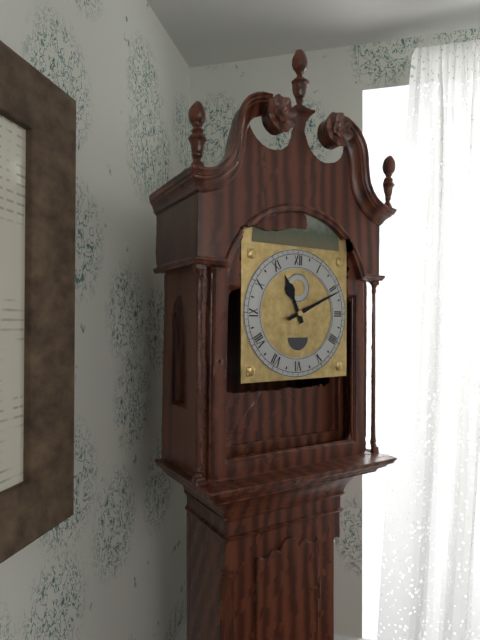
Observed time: 11:11
